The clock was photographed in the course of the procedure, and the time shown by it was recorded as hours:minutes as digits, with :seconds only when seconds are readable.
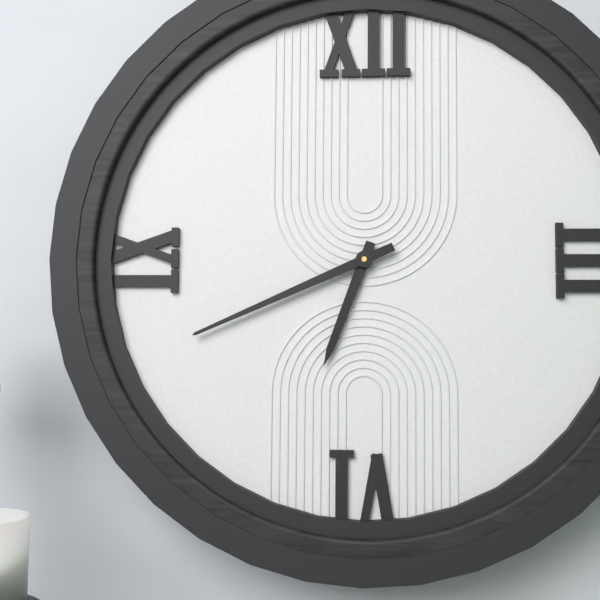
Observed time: 6:41
